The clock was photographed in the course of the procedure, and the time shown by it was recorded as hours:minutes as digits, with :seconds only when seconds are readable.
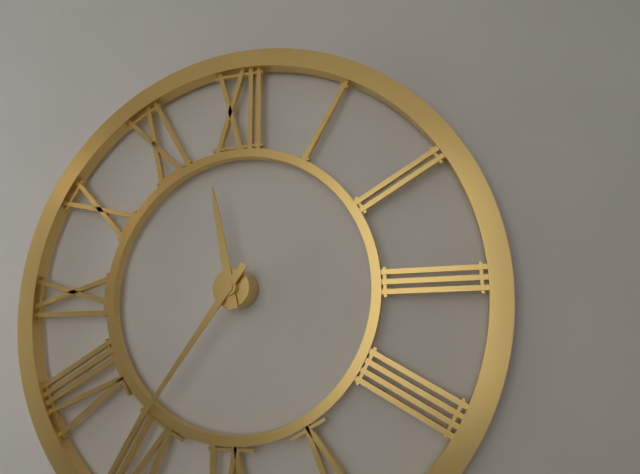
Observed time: 11:36
